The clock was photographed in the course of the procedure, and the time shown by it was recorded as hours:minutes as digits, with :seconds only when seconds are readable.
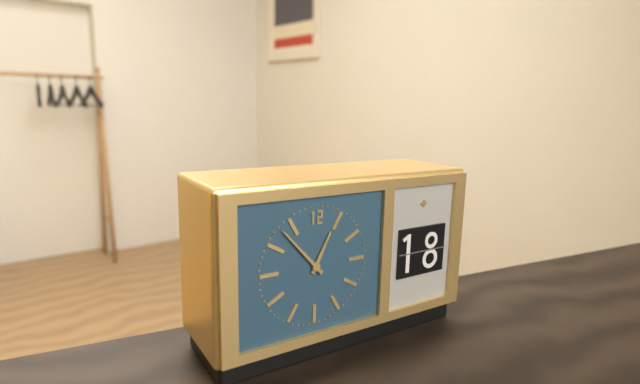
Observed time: 12:53
